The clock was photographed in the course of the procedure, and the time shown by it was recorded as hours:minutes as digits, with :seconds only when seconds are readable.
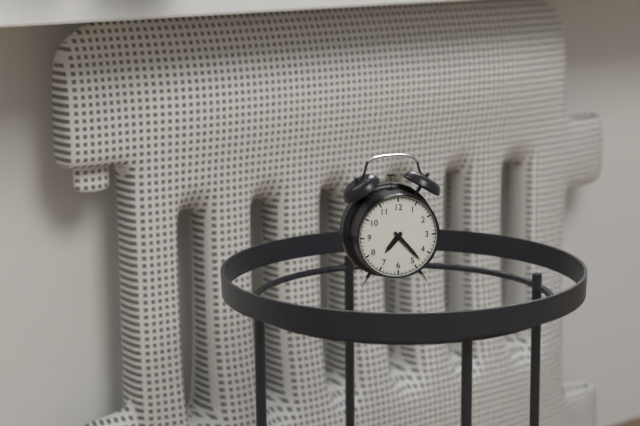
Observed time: 7:23
